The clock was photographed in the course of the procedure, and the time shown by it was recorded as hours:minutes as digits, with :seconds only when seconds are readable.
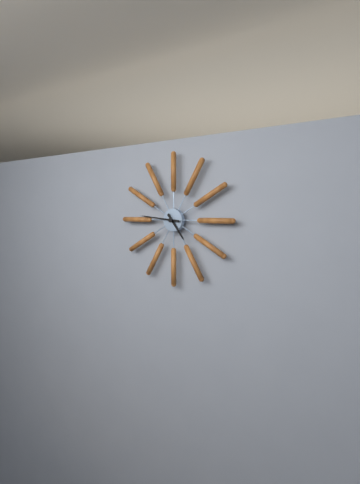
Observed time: 4:46
